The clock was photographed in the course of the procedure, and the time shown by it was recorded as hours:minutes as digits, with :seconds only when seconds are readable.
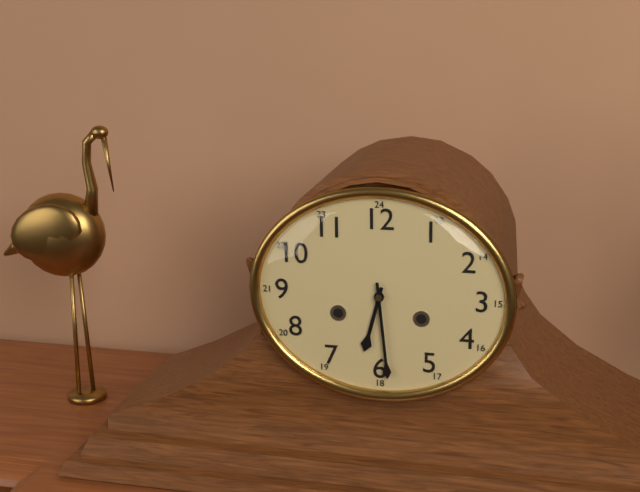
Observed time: 6:29
